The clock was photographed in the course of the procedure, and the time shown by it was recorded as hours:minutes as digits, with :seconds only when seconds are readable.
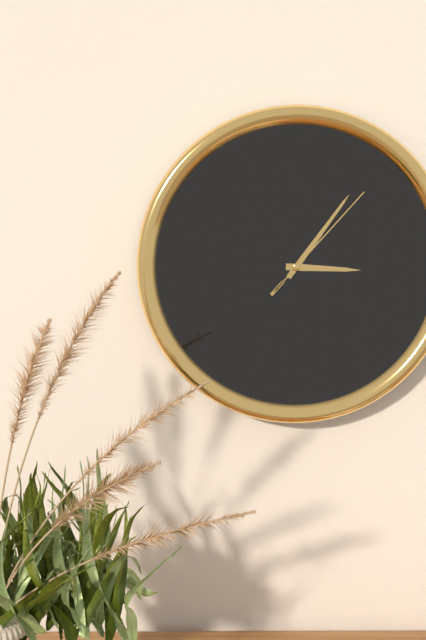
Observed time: 3:06:07
